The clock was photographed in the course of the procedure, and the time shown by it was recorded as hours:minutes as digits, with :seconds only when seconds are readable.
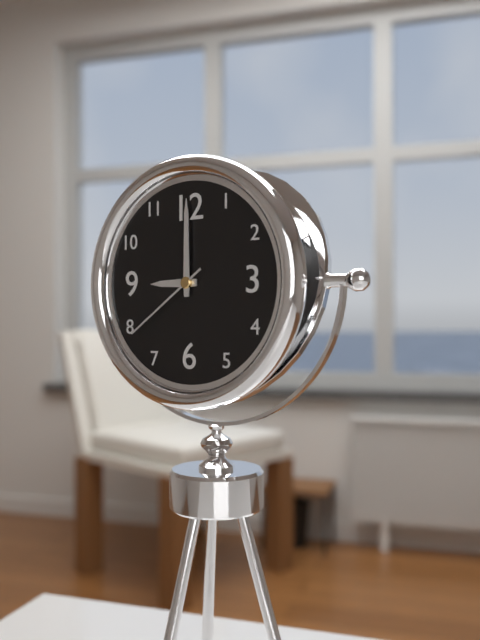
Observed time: 9:00:39
